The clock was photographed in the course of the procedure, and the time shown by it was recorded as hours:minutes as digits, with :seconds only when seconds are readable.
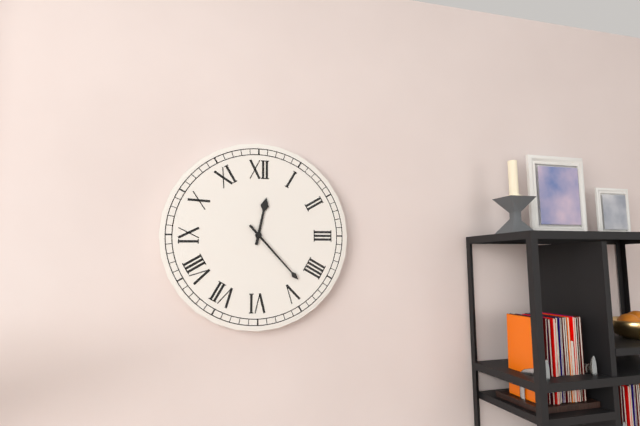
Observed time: 12:23
